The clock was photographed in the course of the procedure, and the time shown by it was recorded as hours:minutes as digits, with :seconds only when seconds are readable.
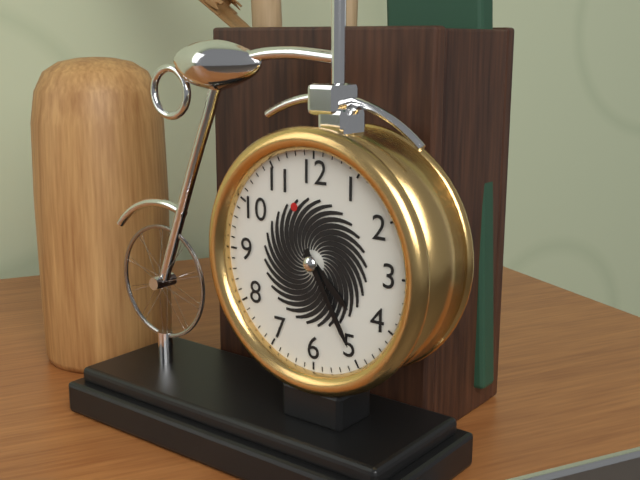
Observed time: 4:25
